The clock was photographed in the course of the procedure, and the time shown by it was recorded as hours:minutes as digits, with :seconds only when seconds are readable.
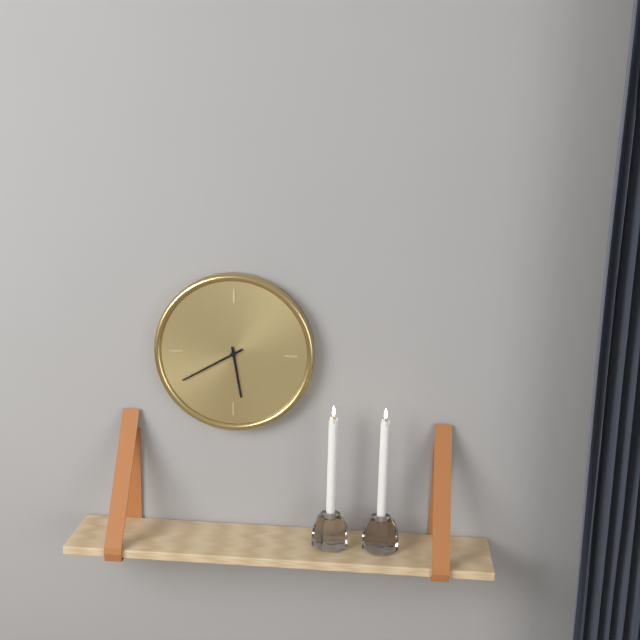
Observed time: 5:40
